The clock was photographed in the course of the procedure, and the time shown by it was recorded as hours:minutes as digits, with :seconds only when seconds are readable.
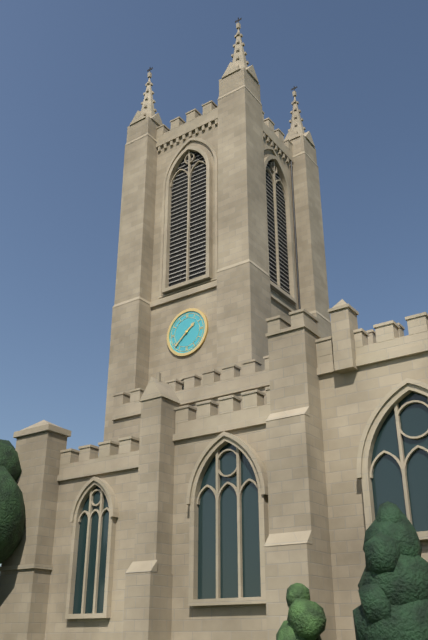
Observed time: 1:38
